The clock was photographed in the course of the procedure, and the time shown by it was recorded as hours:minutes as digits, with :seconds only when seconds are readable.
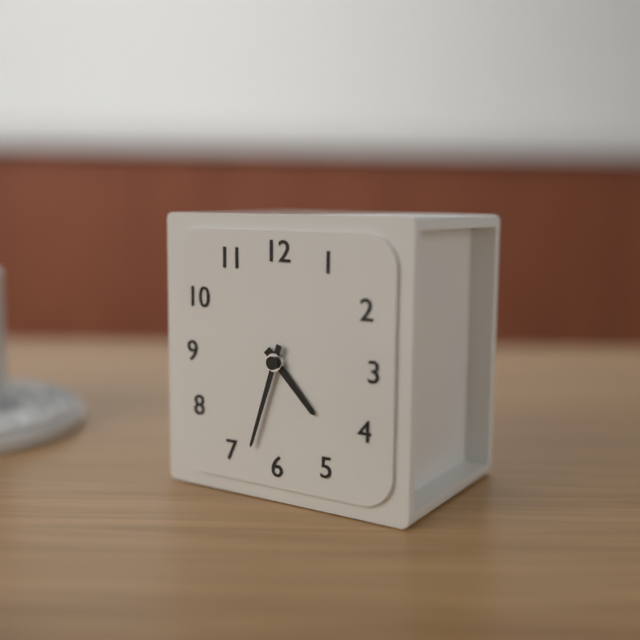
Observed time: 4:33
